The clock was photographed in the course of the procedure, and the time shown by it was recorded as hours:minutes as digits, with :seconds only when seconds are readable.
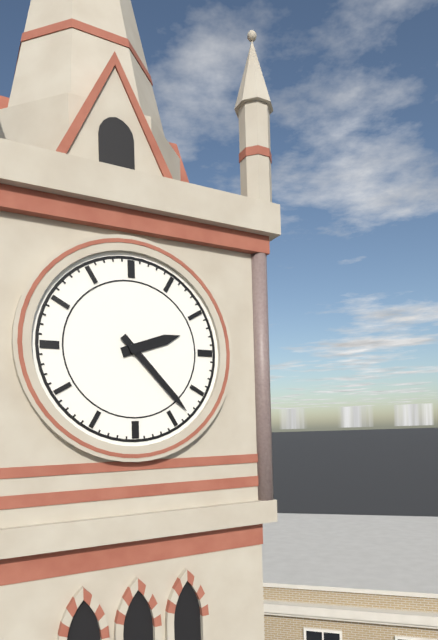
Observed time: 2:23
